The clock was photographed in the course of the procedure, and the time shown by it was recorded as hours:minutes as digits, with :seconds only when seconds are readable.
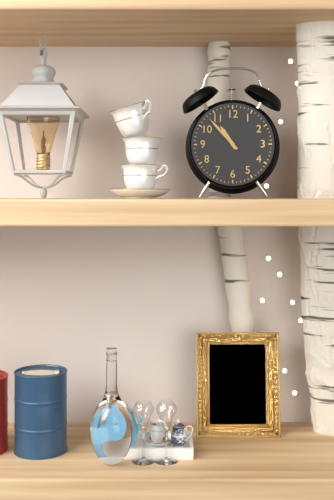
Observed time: 10:53
